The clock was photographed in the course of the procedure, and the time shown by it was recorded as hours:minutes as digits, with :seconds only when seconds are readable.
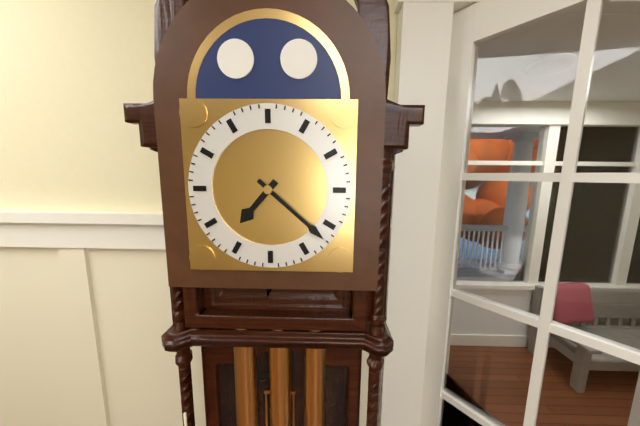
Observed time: 7:22
